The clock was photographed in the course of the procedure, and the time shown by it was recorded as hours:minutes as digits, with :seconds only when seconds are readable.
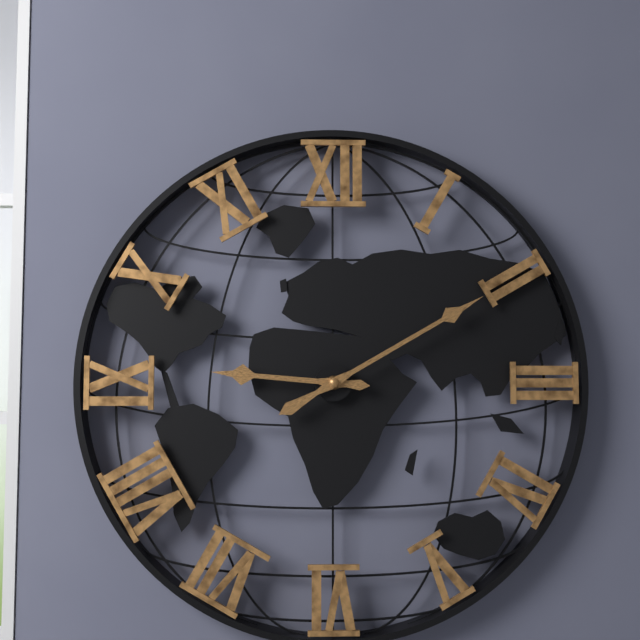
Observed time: 9:10
